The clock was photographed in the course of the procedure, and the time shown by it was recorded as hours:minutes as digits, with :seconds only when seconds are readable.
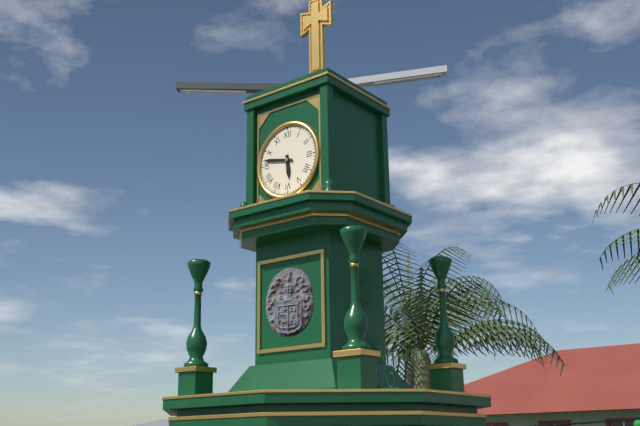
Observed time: 5:47
